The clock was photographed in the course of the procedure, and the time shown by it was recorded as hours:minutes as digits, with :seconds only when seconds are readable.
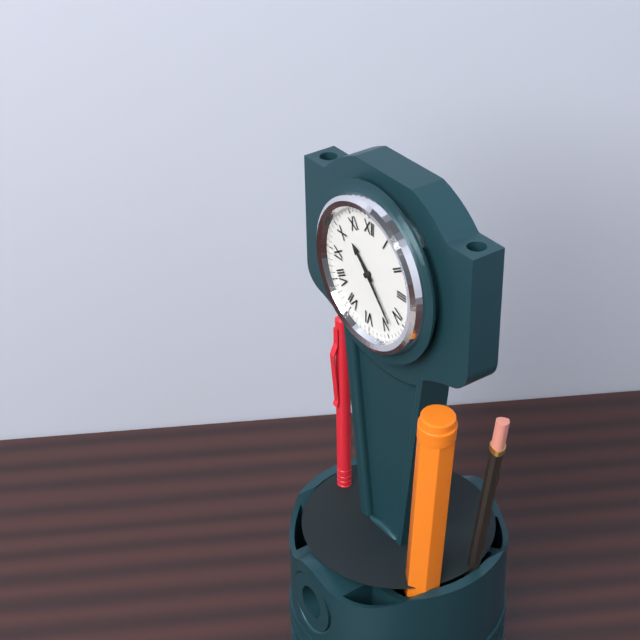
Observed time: 10:23
